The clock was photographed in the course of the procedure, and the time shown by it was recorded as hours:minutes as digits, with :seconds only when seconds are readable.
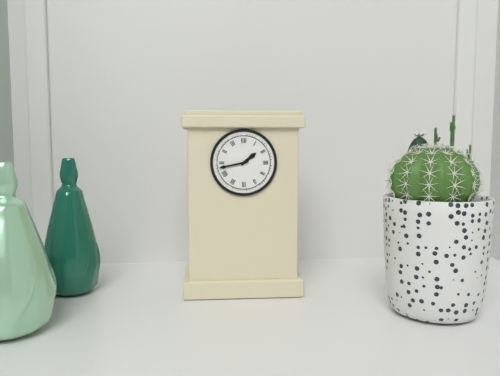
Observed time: 1:43
